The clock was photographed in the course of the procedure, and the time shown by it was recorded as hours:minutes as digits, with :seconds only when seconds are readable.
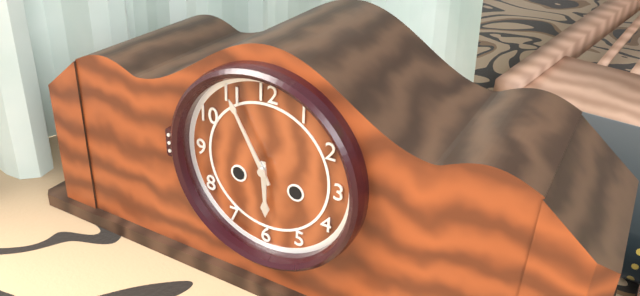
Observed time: 5:55
